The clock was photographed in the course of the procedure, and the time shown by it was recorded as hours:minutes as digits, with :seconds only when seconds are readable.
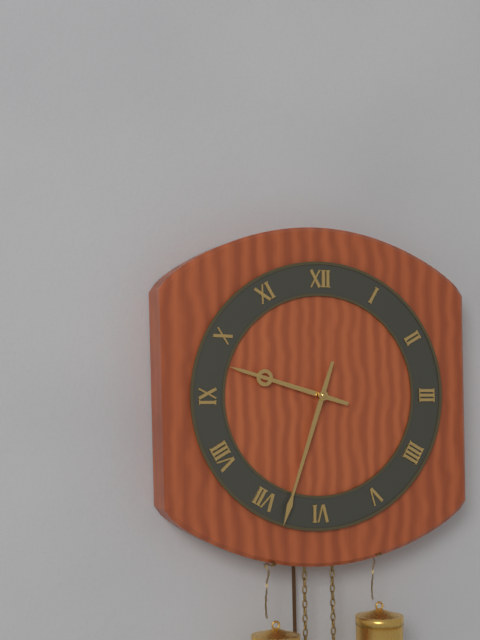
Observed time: 9:33
